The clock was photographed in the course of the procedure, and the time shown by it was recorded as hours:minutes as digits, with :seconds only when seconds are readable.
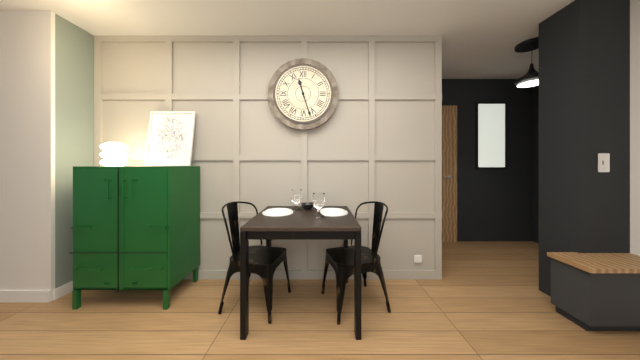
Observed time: 11:27
